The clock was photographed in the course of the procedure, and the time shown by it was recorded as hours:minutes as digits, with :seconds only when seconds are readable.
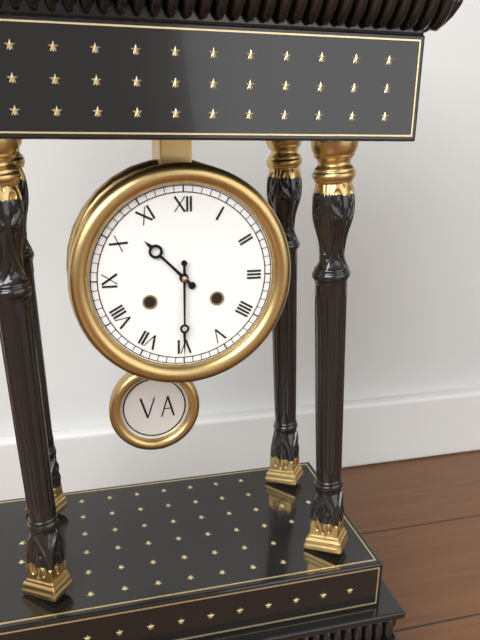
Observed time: 10:30
